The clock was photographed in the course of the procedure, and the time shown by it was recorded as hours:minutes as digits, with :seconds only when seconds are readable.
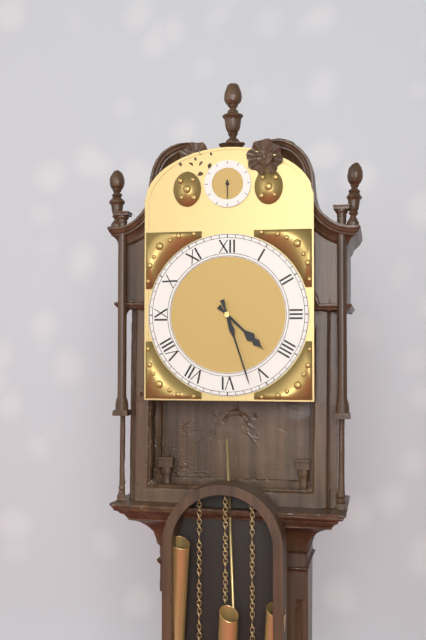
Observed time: 4:27
